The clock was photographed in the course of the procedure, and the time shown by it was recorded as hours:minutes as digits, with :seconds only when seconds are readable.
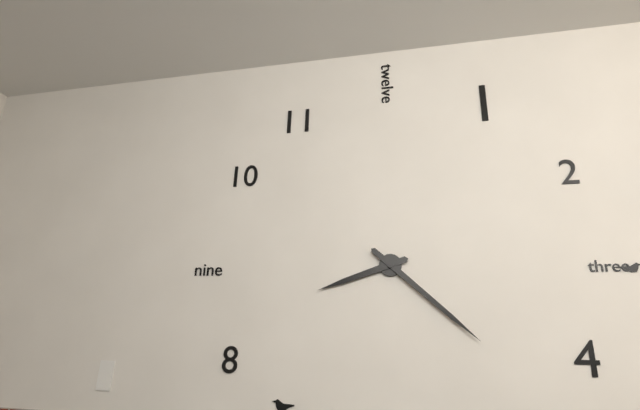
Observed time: 8:22
